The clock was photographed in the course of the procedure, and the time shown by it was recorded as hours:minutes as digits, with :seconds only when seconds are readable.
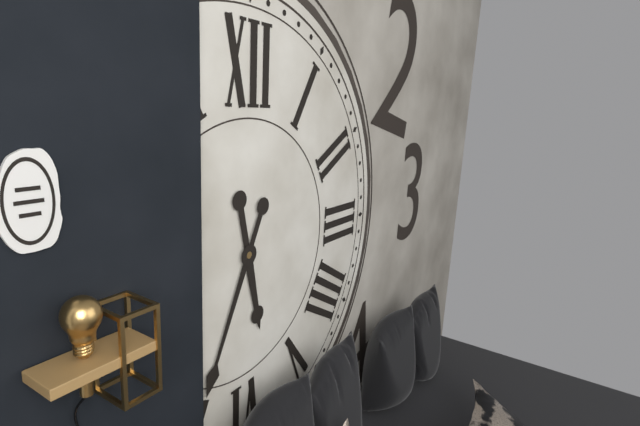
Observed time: 5:34
